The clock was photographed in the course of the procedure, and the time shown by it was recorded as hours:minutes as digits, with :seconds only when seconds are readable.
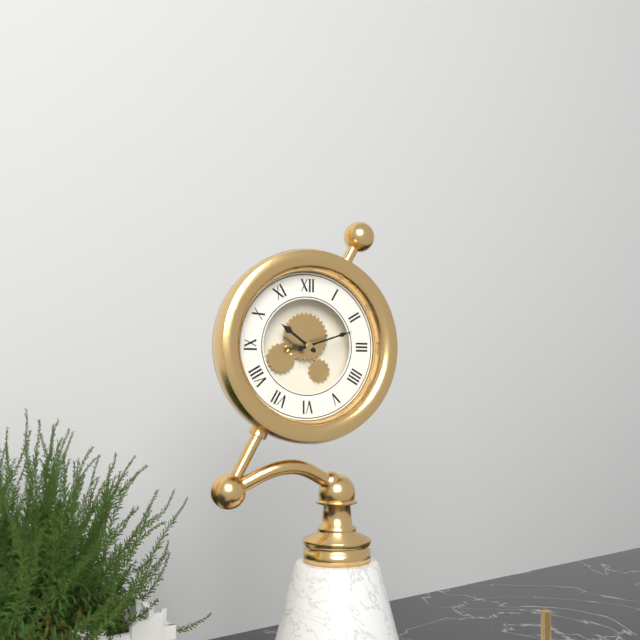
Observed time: 10:12
